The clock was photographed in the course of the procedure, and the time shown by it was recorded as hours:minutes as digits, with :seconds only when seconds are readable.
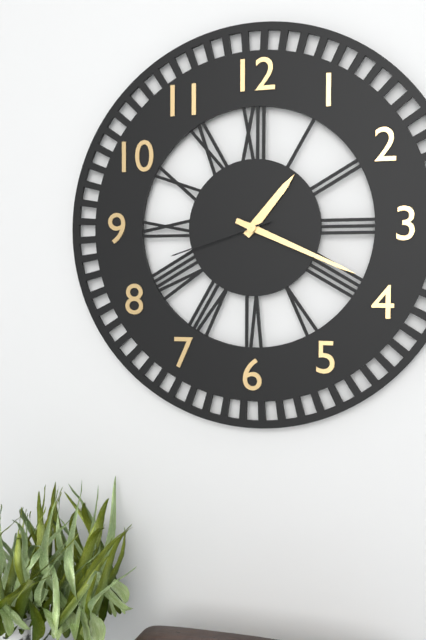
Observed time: 1:19:42
